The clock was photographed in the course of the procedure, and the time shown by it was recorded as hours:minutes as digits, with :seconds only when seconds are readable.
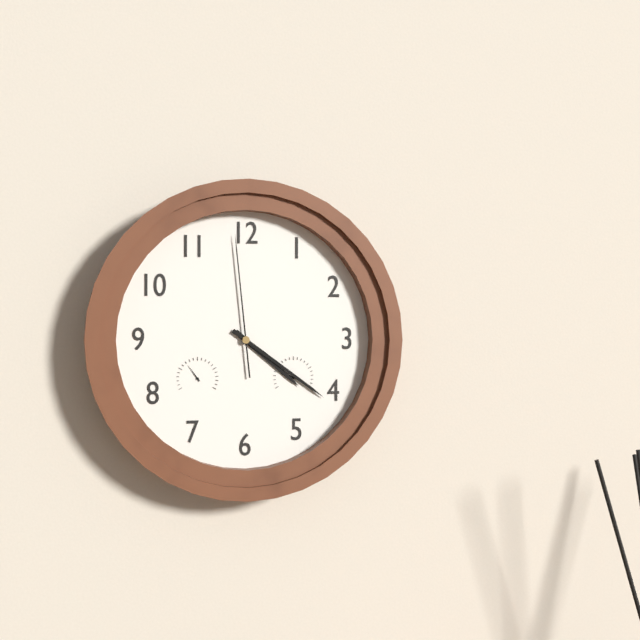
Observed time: 4:21:59
